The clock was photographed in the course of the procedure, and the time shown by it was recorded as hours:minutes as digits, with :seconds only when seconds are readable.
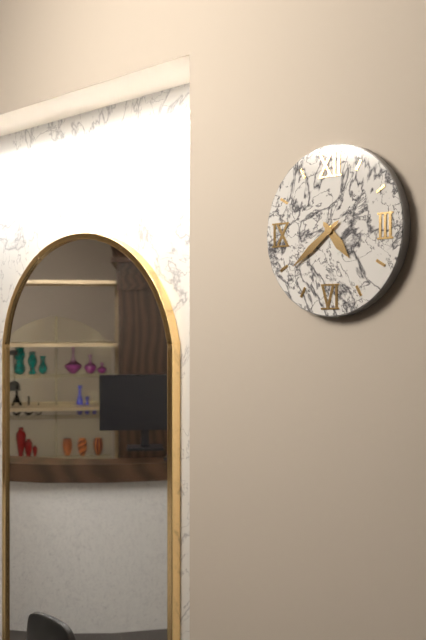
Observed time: 4:39
